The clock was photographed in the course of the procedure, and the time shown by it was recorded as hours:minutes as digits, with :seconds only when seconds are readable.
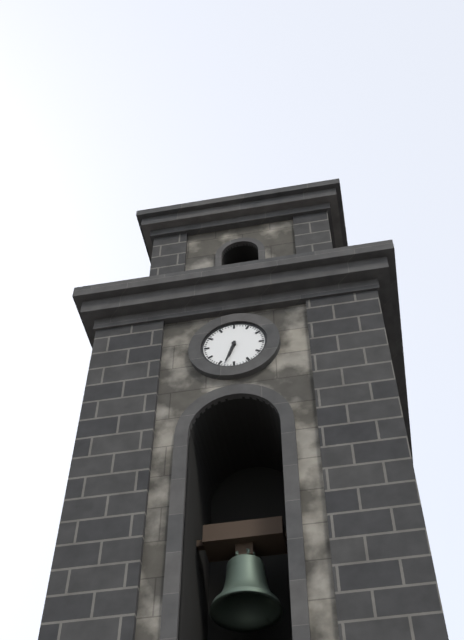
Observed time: 6:33
